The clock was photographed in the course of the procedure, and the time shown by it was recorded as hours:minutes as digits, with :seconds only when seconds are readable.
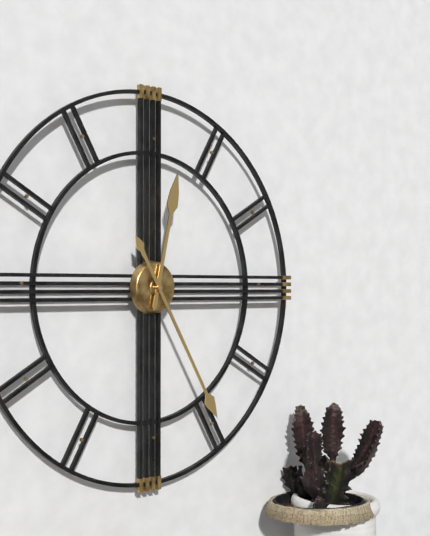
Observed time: 12:25
